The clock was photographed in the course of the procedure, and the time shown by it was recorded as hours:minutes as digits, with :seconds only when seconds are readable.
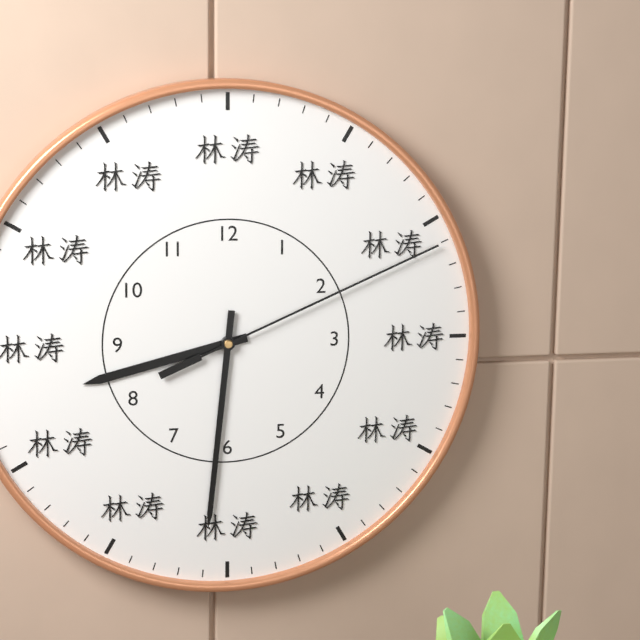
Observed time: 8:31:11
